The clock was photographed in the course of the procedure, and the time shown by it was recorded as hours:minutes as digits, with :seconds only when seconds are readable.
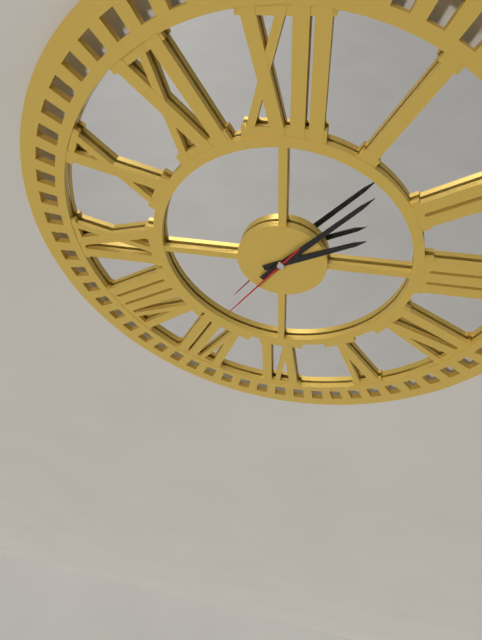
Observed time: 2:07:36
